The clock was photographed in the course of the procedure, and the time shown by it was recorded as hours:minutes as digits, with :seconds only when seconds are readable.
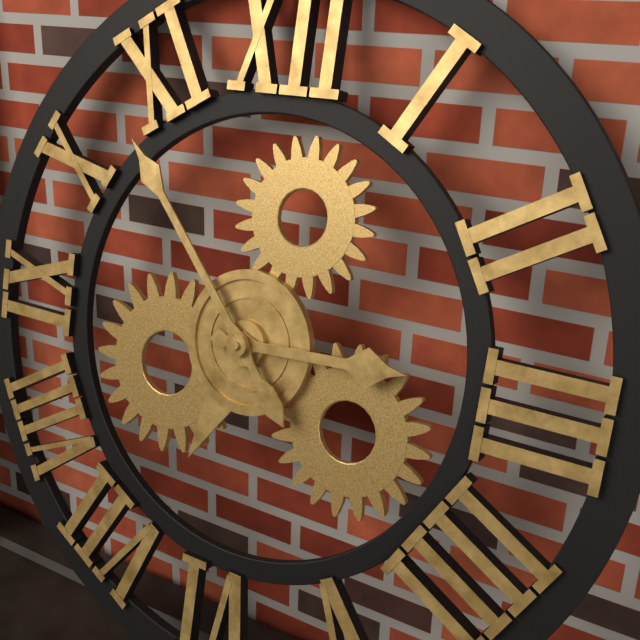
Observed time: 2:53
